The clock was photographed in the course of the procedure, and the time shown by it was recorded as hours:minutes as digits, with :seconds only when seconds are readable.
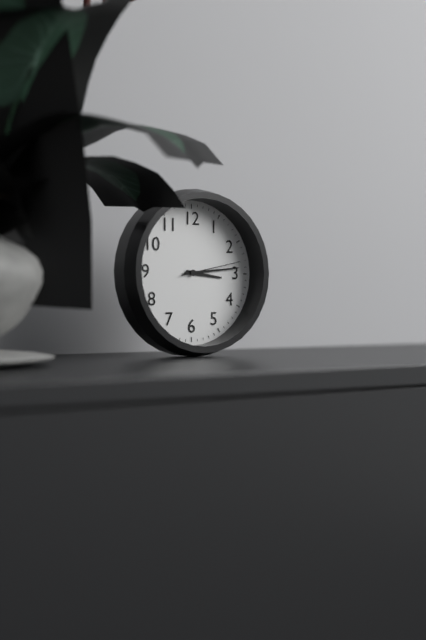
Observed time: 3:14:13
